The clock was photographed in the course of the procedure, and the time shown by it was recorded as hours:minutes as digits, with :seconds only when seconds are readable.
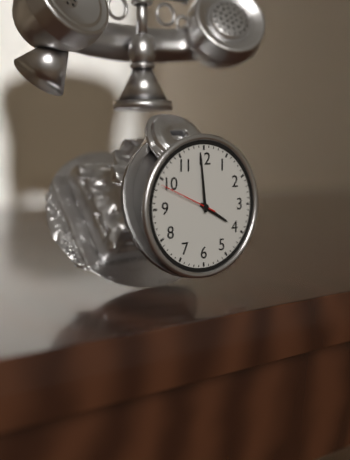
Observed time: 3:59:49
